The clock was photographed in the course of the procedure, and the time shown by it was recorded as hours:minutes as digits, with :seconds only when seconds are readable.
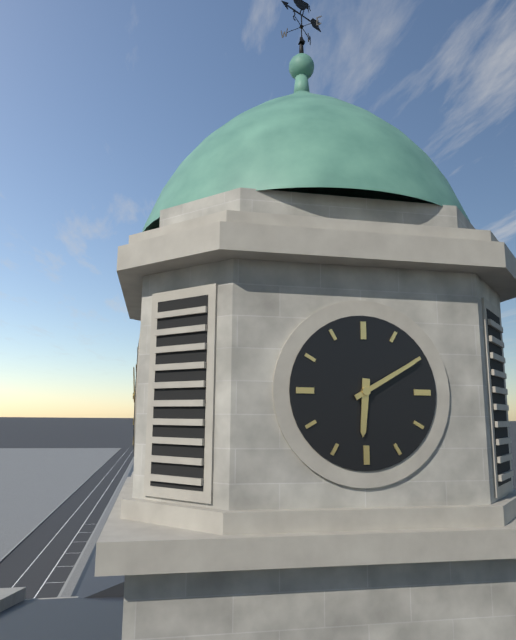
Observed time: 6:10
